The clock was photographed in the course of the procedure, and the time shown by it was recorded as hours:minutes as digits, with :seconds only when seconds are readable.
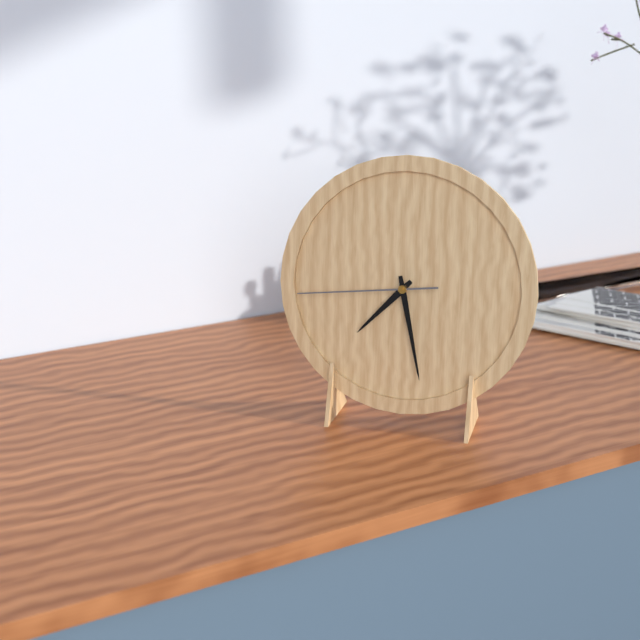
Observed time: 7:28:44
